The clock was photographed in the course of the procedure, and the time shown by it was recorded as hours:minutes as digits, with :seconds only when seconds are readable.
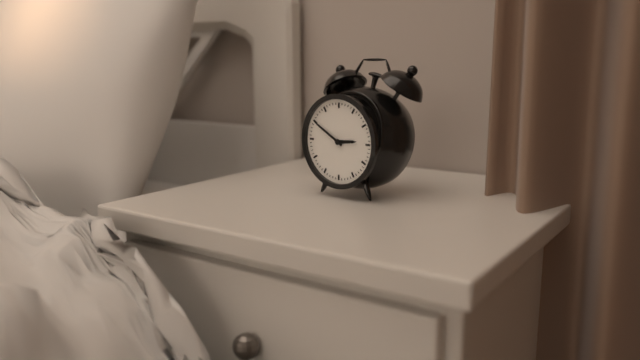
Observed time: 2:50
